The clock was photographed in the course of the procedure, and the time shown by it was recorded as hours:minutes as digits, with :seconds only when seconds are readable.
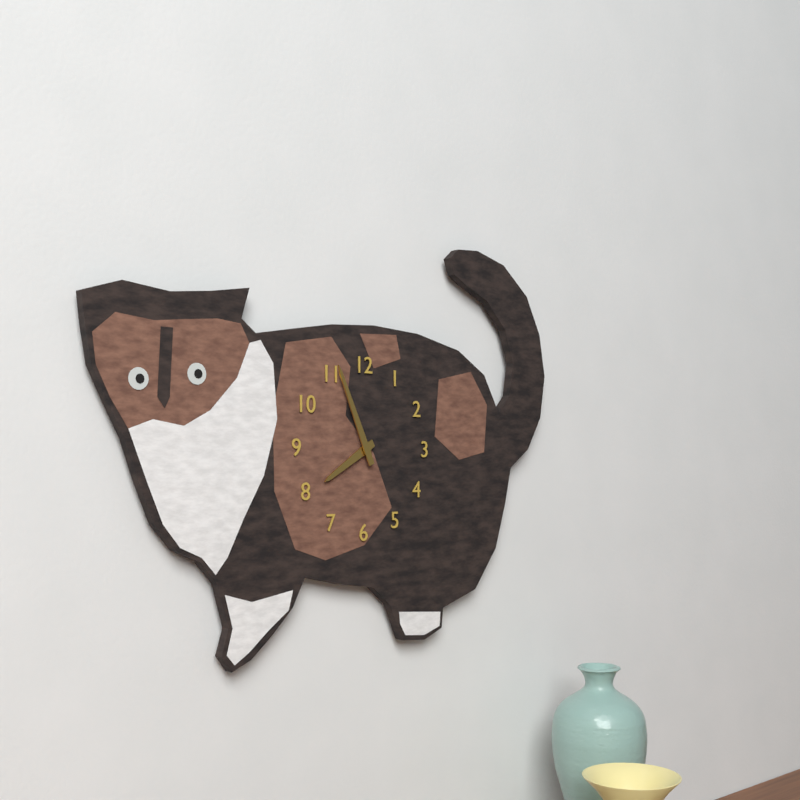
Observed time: 7:56
